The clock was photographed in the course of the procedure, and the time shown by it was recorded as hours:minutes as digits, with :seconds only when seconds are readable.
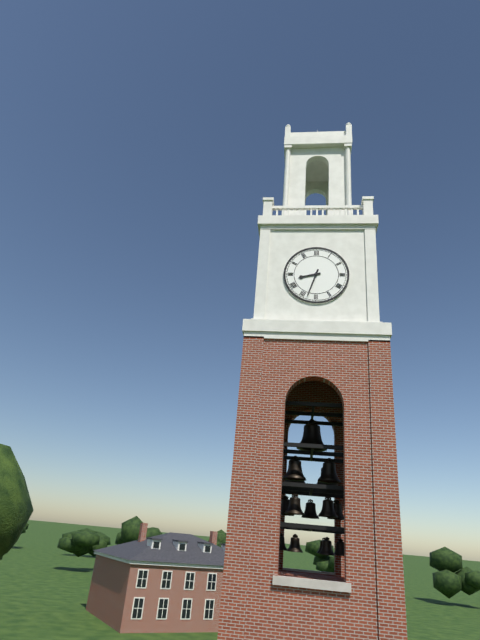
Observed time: 8:33
